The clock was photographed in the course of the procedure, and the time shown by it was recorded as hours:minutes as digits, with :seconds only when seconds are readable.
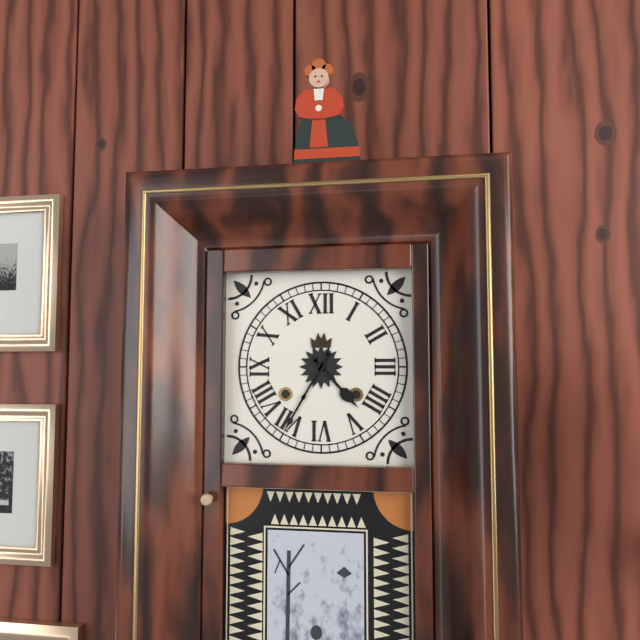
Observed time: 4:35
